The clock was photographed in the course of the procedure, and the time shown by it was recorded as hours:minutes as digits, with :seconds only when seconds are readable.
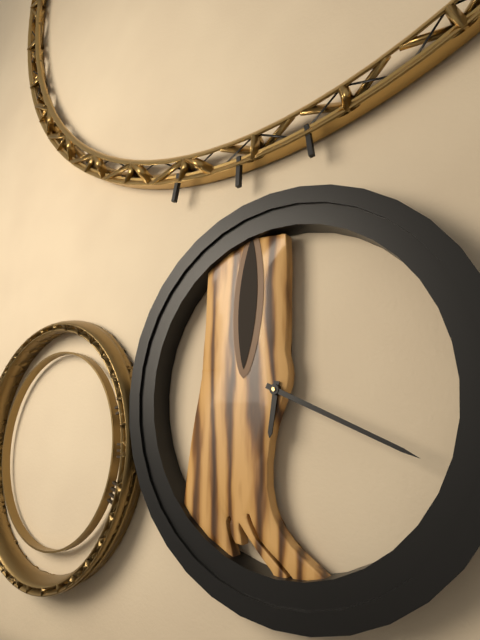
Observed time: 6:19
